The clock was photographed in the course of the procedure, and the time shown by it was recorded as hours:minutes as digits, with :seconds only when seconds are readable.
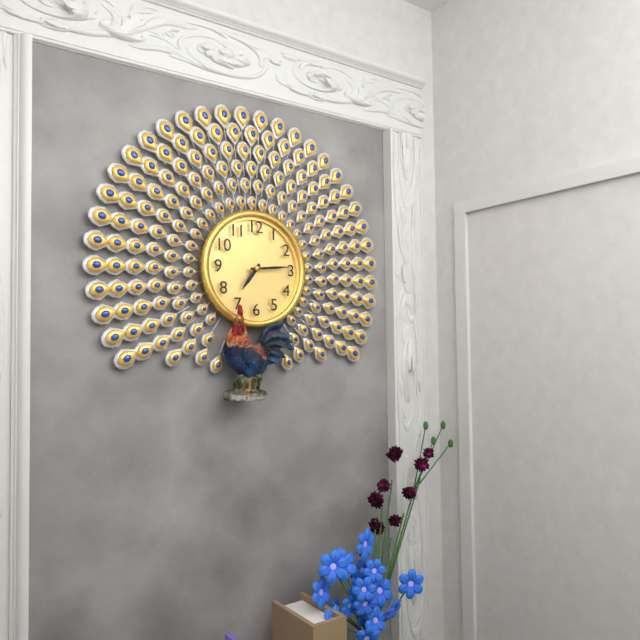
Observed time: 7:14
